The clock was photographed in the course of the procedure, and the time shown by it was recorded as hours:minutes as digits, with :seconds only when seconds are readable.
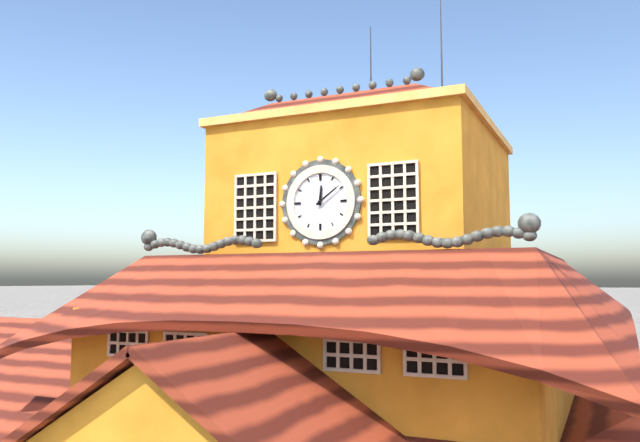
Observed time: 12:09
